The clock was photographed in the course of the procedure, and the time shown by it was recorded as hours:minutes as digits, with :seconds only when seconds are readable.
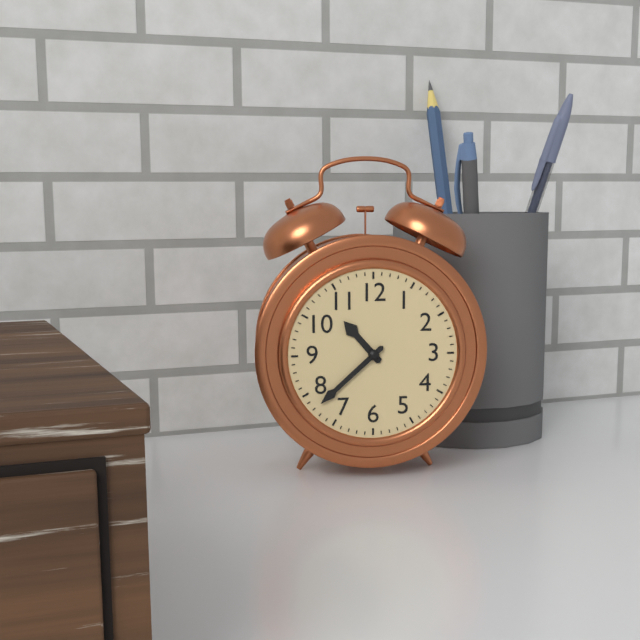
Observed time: 10:38
